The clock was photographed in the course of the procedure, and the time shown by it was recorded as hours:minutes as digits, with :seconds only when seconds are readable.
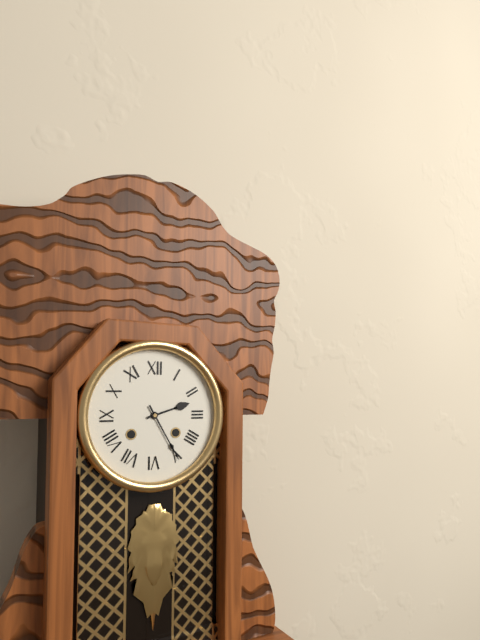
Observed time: 2:25
